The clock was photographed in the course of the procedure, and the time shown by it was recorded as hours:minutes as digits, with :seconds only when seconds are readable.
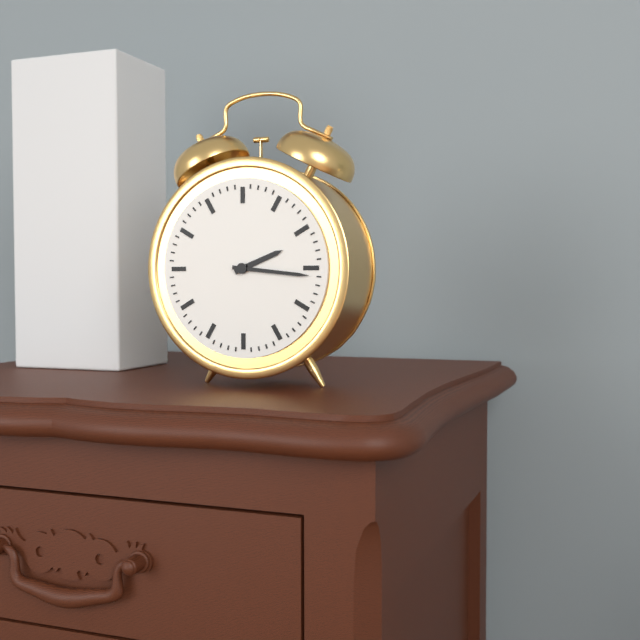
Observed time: 2:16
